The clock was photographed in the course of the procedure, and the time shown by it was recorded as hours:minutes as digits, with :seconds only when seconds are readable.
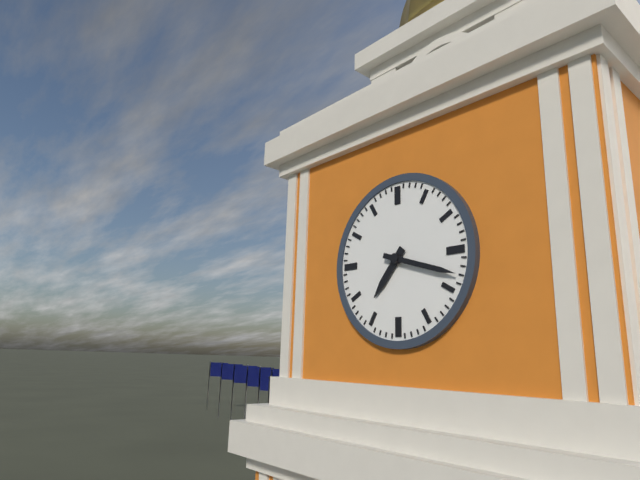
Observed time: 7:18
